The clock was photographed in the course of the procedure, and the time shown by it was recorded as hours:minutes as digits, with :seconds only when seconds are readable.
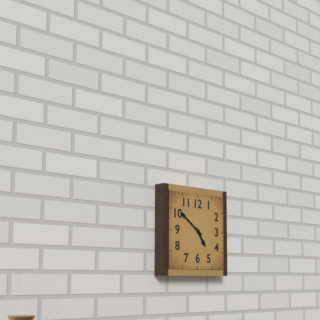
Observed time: 4:51
